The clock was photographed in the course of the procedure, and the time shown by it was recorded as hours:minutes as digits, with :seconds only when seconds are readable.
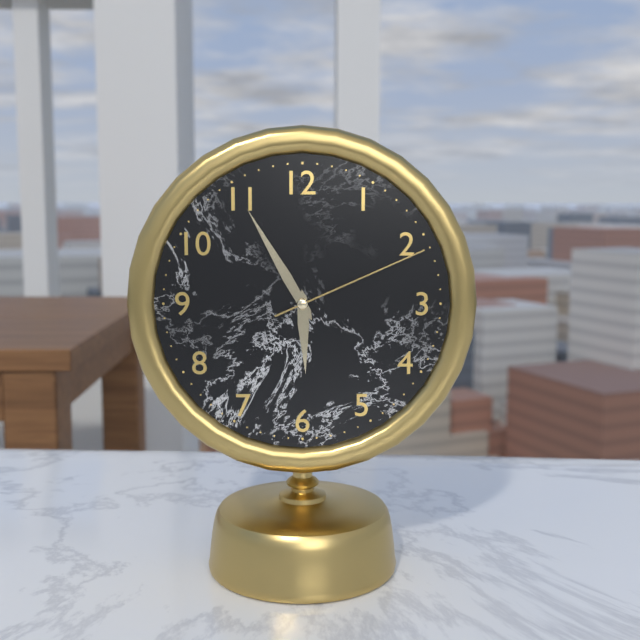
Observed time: 5:55:11
